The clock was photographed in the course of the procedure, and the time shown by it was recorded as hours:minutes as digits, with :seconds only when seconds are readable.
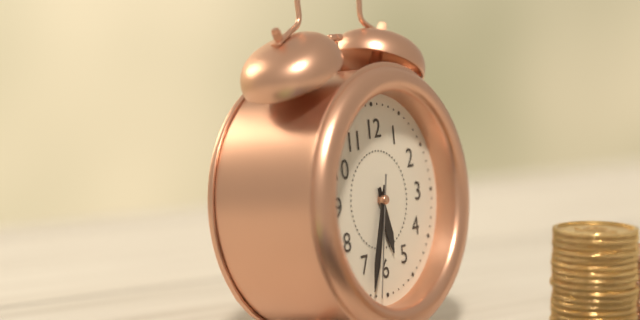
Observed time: 5:33:32
